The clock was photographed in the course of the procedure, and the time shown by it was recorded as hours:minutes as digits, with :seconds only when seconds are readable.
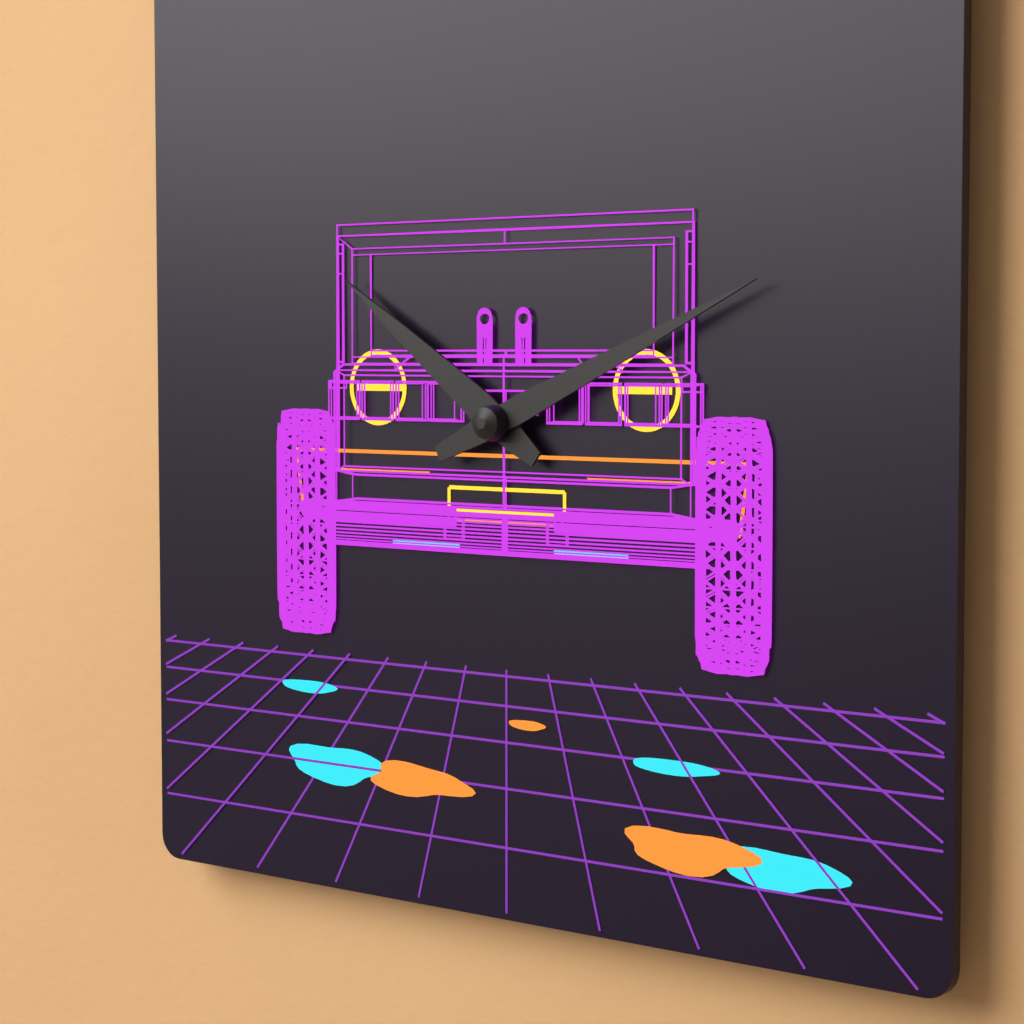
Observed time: 10:11
